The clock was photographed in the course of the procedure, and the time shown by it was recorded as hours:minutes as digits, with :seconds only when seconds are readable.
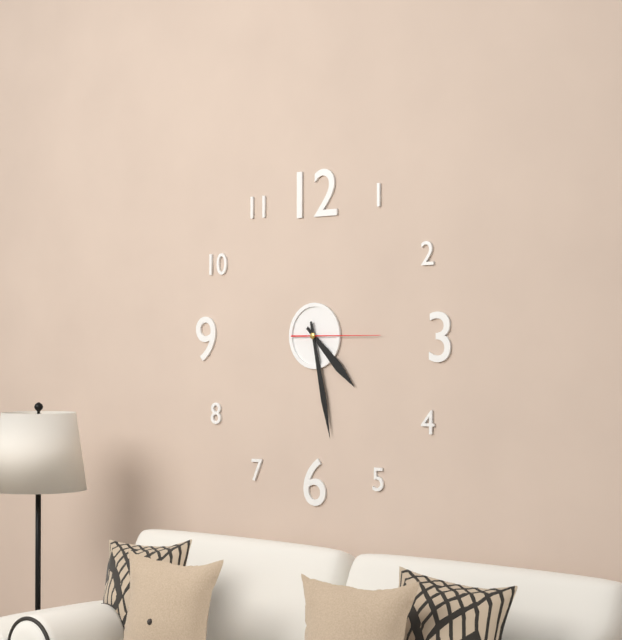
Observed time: 4:28:15
